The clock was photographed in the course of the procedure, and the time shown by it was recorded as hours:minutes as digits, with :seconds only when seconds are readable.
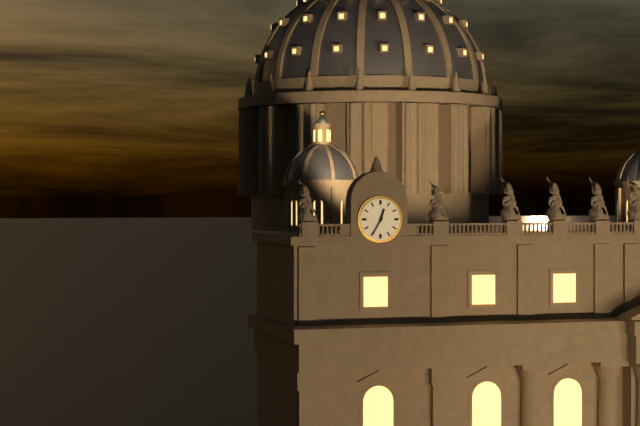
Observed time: 12:35
